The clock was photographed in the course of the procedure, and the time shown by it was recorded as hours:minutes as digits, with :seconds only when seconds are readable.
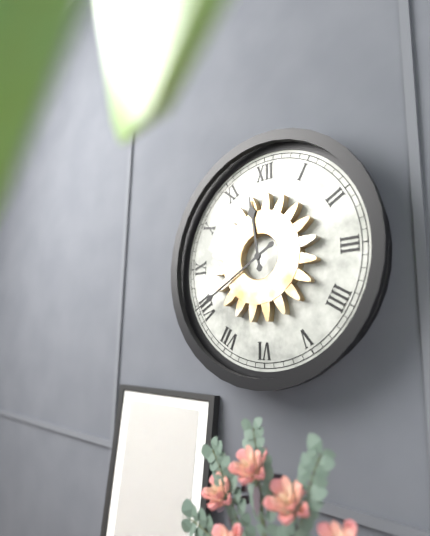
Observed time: 11:40
